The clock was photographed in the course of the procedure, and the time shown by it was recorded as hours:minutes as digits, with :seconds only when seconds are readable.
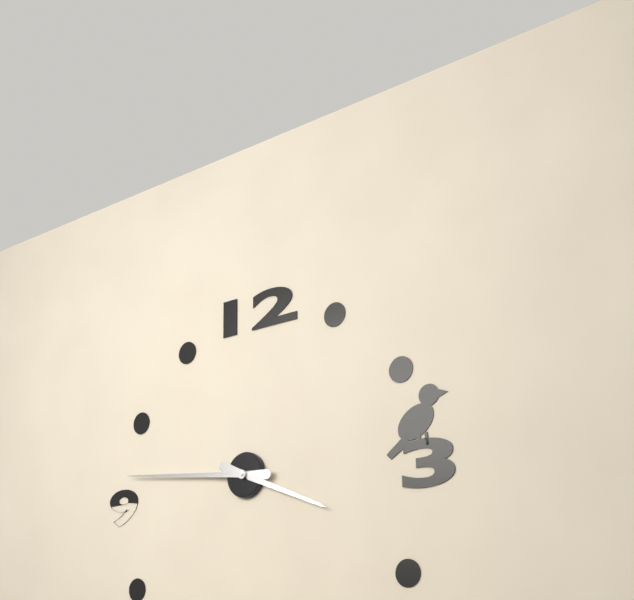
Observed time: 3:46
